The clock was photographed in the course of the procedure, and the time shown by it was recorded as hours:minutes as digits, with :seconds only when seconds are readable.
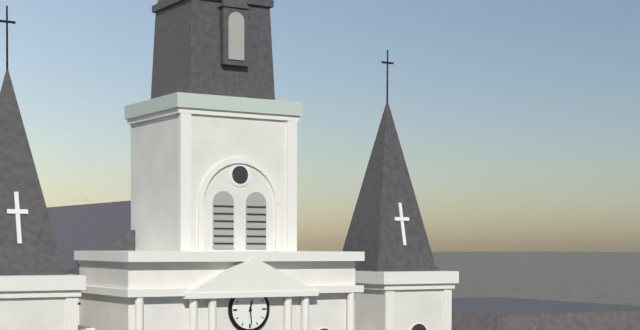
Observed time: 12:29
